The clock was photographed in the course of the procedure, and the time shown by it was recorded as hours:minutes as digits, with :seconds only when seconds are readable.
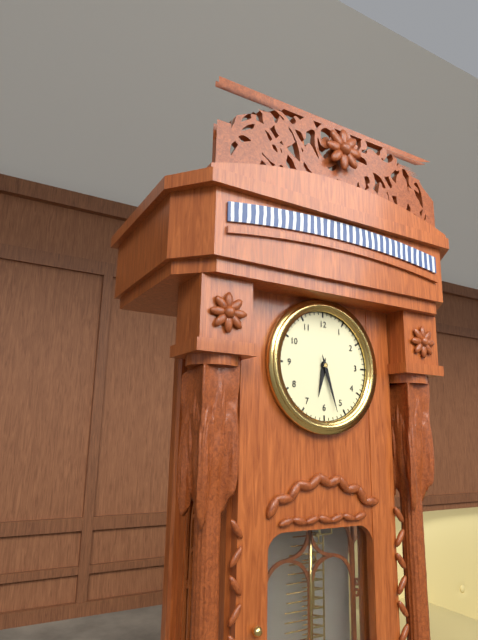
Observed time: 6:27
